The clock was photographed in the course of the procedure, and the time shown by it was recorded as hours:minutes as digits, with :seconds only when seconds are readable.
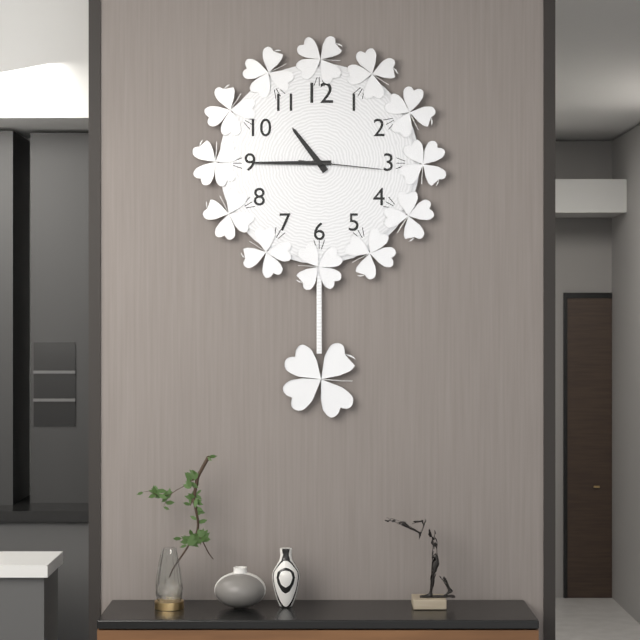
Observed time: 10:45:16
